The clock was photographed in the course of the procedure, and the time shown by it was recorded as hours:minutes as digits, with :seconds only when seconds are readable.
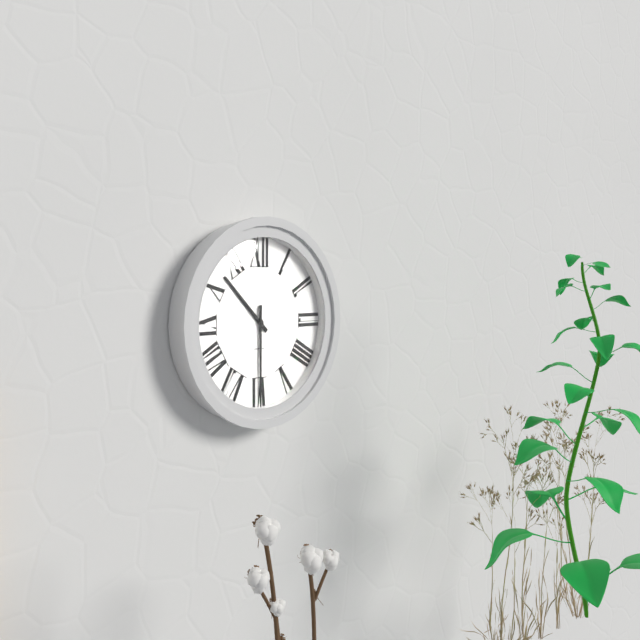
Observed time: 10:30
